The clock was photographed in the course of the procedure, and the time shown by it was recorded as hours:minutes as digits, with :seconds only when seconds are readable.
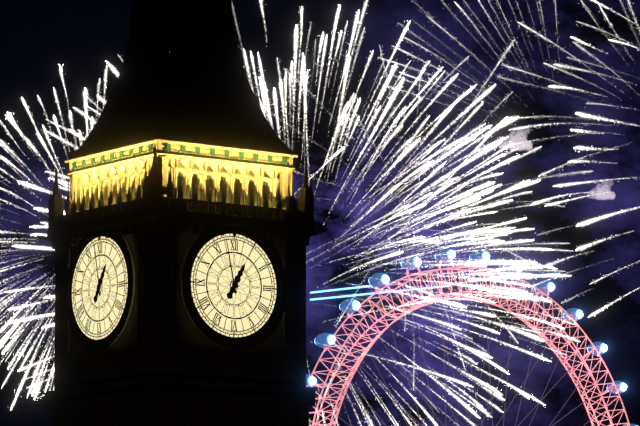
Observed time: 12:58
